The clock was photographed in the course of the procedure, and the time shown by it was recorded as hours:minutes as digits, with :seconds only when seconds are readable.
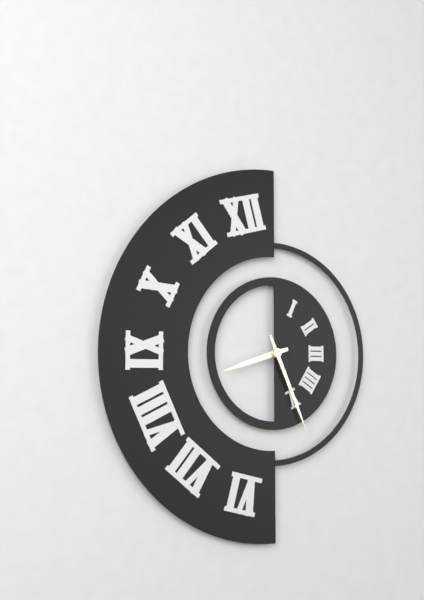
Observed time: 8:26
